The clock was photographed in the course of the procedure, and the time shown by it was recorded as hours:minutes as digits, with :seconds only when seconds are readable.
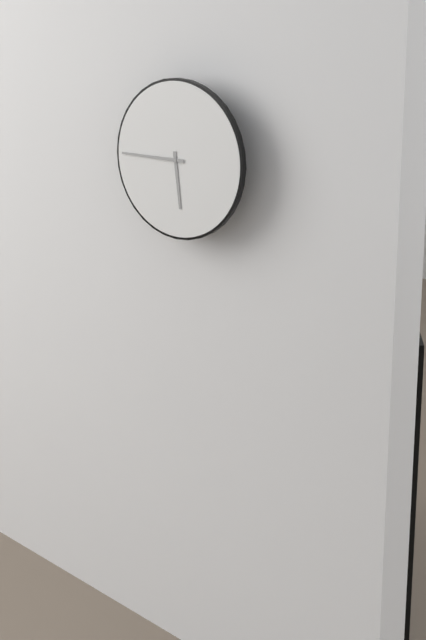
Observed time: 5:45
